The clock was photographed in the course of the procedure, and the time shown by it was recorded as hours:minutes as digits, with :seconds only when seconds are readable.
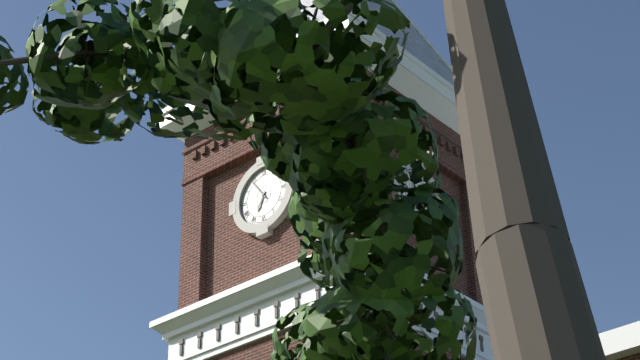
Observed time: 6:54
